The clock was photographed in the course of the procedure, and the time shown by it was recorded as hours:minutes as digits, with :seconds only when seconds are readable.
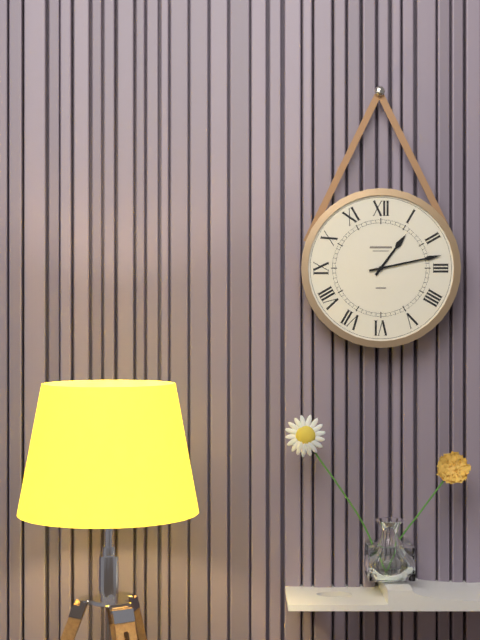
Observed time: 1:13
